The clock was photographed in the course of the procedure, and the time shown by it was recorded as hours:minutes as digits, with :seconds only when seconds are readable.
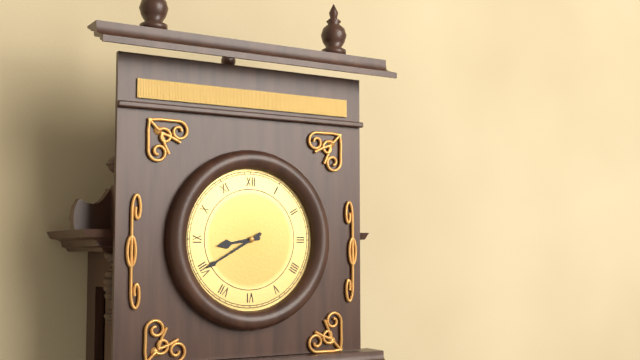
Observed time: 8:40
